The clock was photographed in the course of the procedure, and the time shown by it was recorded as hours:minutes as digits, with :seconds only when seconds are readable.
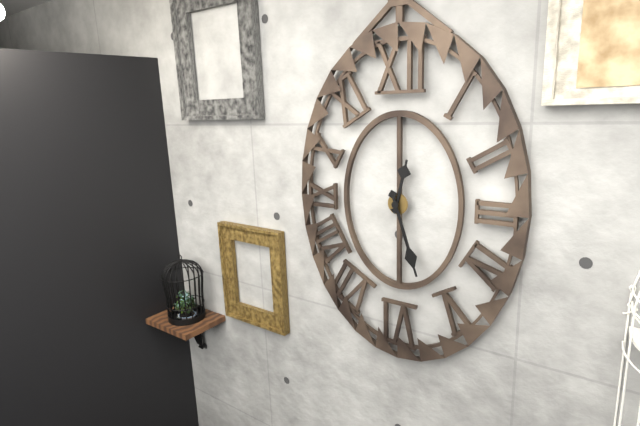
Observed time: 12:27
